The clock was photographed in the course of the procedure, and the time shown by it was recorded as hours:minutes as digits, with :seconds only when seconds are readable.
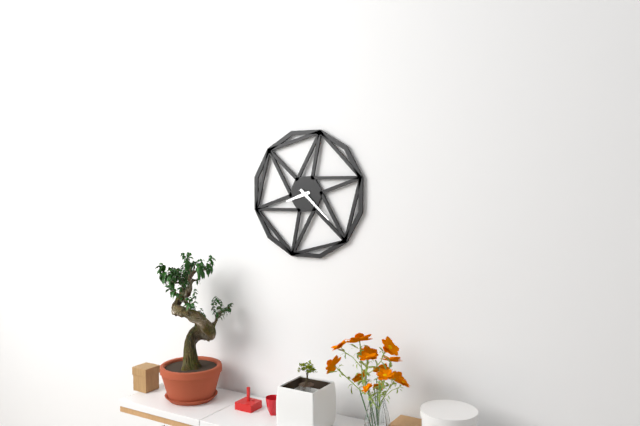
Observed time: 8:22
